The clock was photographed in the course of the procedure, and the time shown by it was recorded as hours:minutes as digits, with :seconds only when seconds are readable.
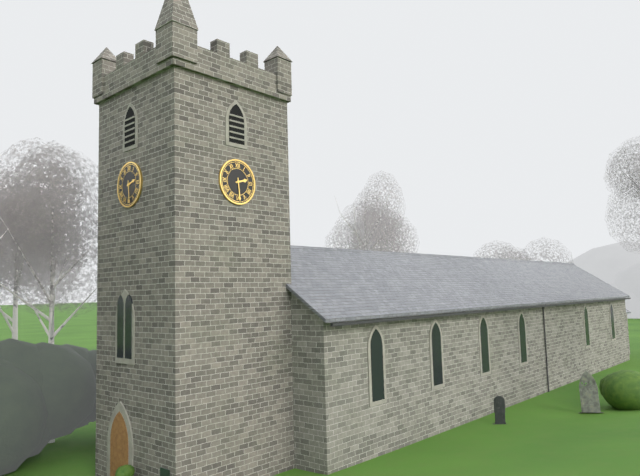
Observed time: 2:29
